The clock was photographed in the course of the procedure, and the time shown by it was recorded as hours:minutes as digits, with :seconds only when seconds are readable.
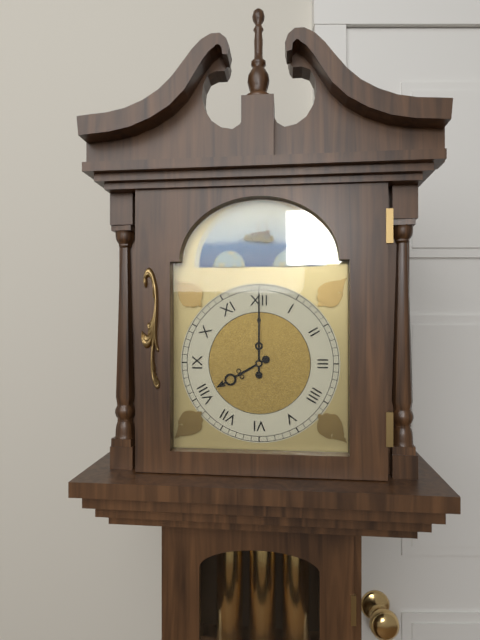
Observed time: 8:00
